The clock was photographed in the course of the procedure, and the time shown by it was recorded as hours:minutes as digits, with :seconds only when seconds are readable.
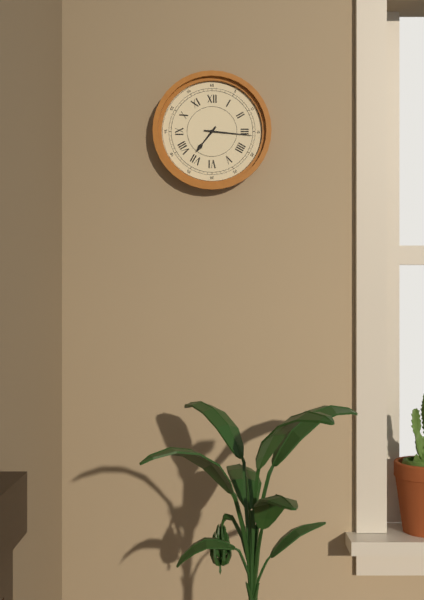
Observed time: 7:16
